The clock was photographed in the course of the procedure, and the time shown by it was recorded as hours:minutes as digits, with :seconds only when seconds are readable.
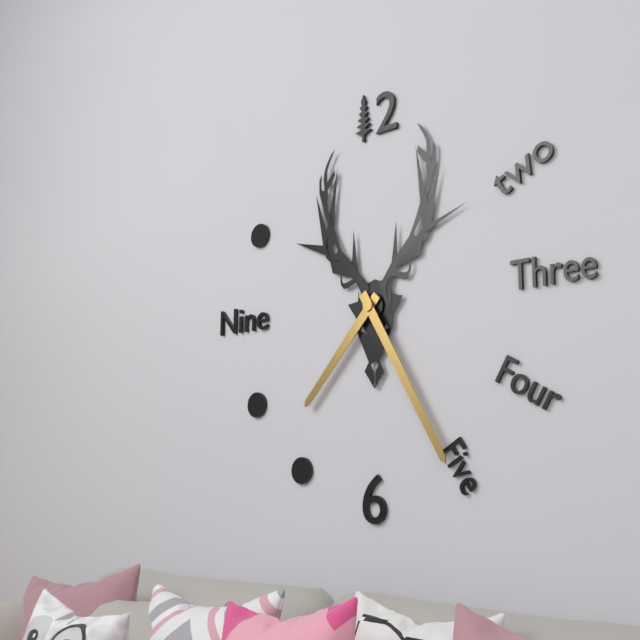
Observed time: 7:25
